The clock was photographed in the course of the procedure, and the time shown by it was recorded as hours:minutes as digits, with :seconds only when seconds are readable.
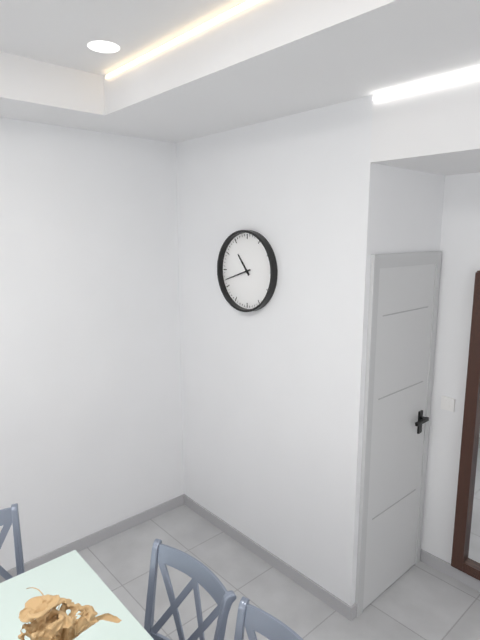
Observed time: 10:42
